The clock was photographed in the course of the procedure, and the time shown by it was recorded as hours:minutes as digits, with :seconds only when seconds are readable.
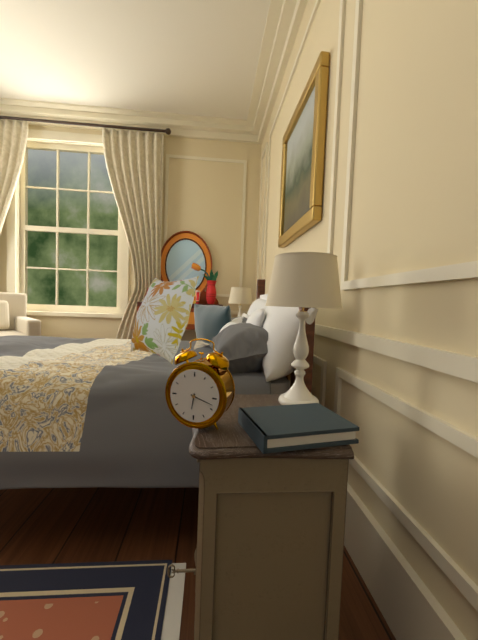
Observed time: 6:18
